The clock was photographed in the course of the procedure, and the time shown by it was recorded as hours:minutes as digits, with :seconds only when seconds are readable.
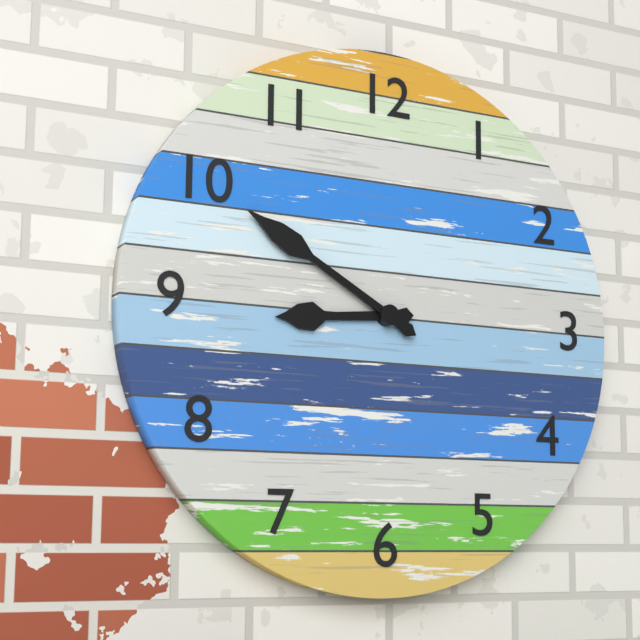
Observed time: 8:50
